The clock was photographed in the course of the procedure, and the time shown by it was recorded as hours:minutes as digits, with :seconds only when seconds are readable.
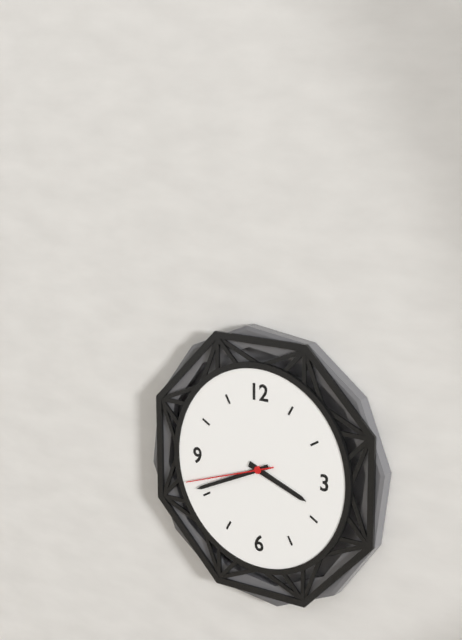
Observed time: 3:41:42
